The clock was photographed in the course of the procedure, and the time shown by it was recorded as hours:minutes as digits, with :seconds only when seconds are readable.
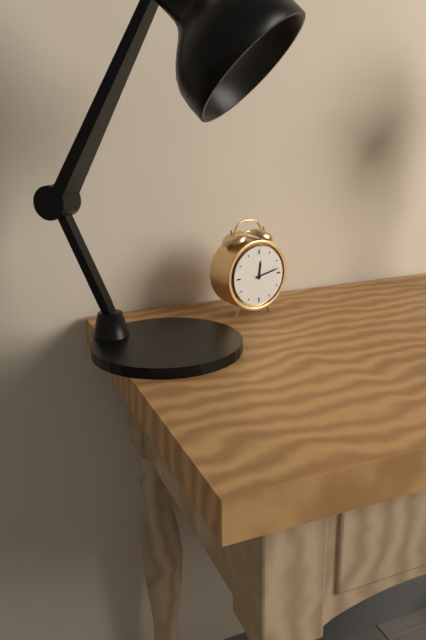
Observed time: 12:13
